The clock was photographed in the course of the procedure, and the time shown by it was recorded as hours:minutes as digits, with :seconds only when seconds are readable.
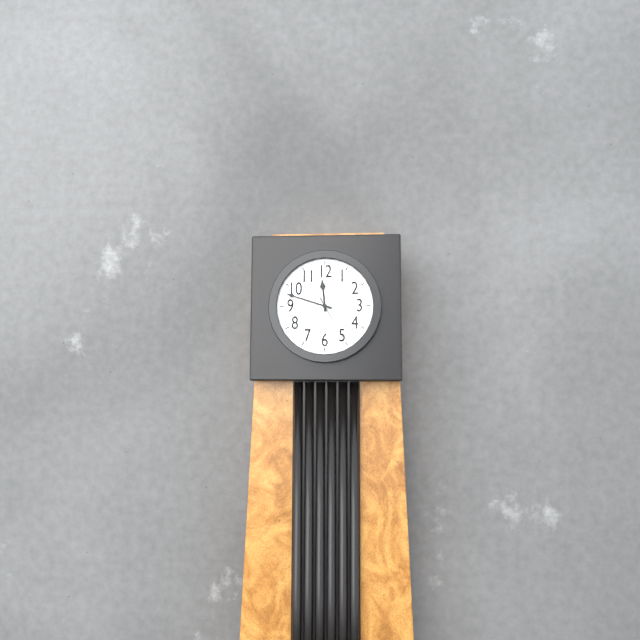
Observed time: 11:48
